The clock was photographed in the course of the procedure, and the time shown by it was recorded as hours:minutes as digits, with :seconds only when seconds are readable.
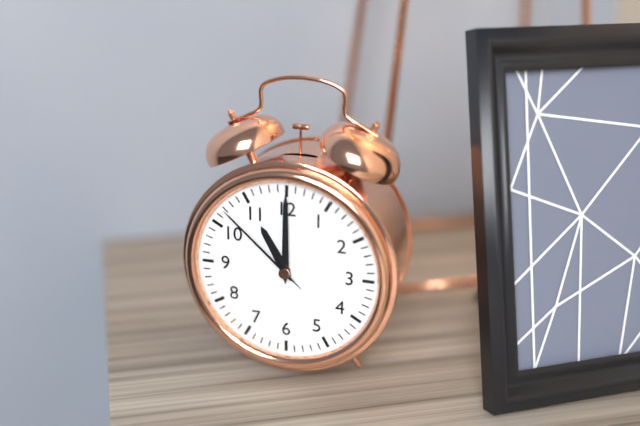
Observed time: 11:00:52
